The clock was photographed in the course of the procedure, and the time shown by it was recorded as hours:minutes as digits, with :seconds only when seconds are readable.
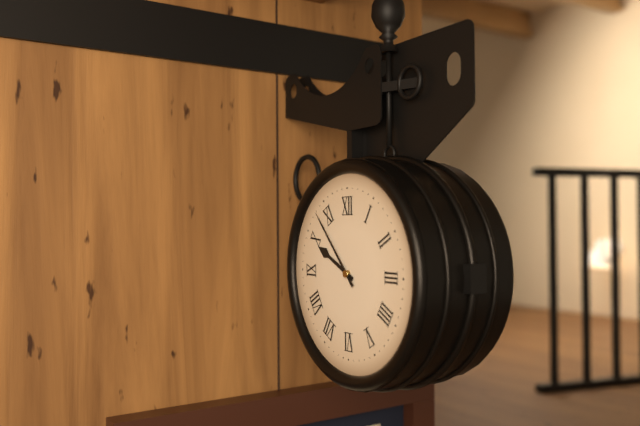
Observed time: 9:53
